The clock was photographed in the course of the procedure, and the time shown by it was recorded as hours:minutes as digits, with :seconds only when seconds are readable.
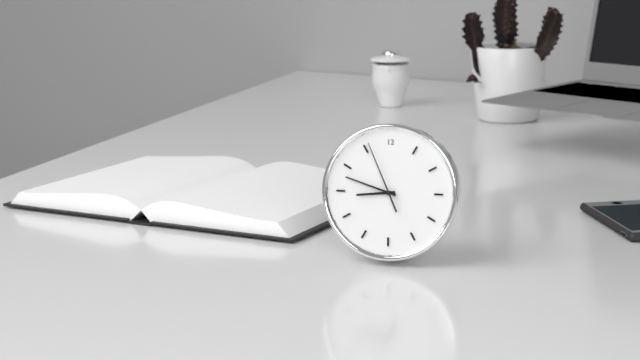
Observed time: 8:48:56
